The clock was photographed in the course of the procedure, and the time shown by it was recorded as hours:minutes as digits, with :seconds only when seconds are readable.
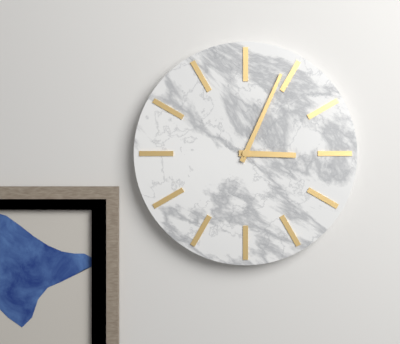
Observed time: 3:04
